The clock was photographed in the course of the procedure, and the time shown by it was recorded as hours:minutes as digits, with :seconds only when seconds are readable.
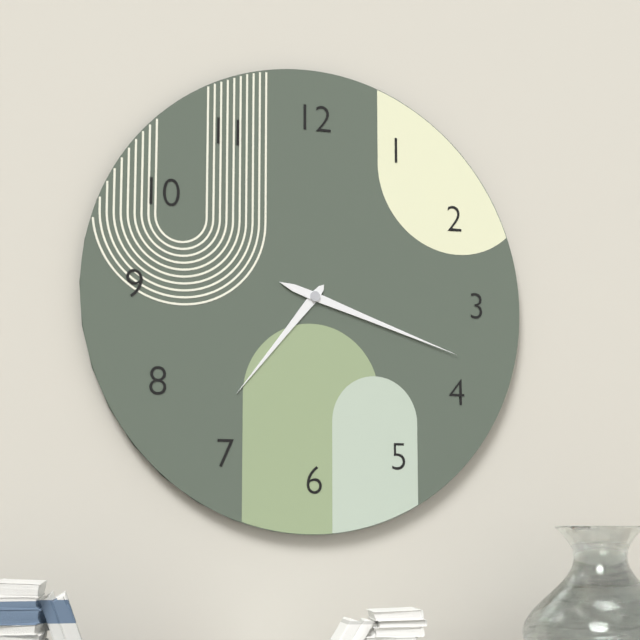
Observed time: 7:18
